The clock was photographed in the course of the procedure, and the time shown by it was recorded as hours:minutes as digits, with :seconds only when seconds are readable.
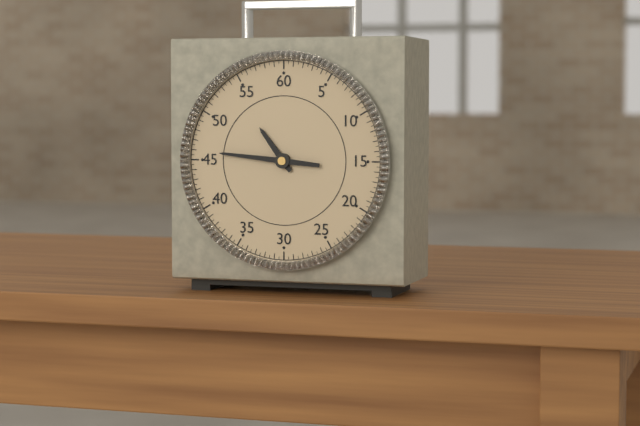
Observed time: 10:46
